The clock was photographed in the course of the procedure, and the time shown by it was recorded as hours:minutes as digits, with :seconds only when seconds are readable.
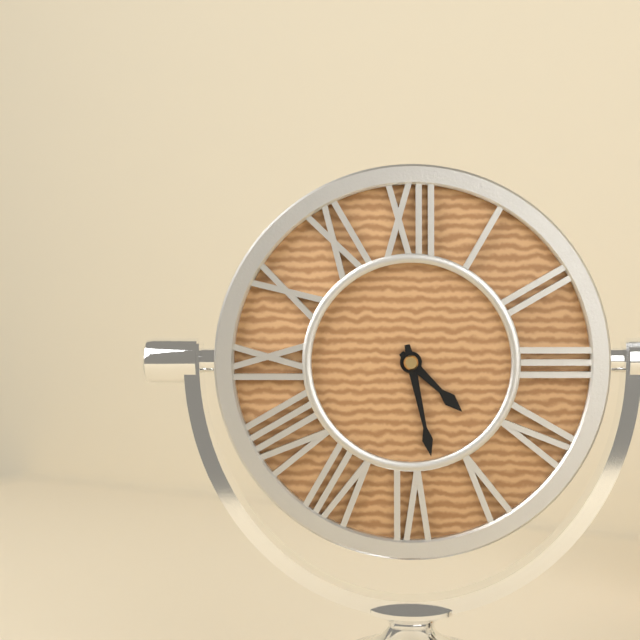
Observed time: 4:28
